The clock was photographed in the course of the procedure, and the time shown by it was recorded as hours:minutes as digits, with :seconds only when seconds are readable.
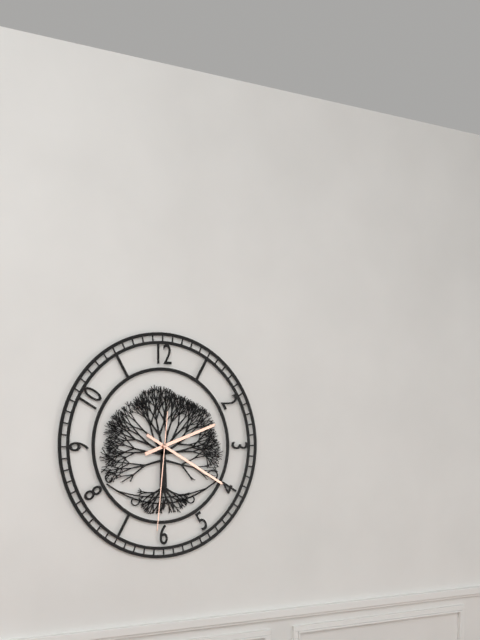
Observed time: 2:20:31
